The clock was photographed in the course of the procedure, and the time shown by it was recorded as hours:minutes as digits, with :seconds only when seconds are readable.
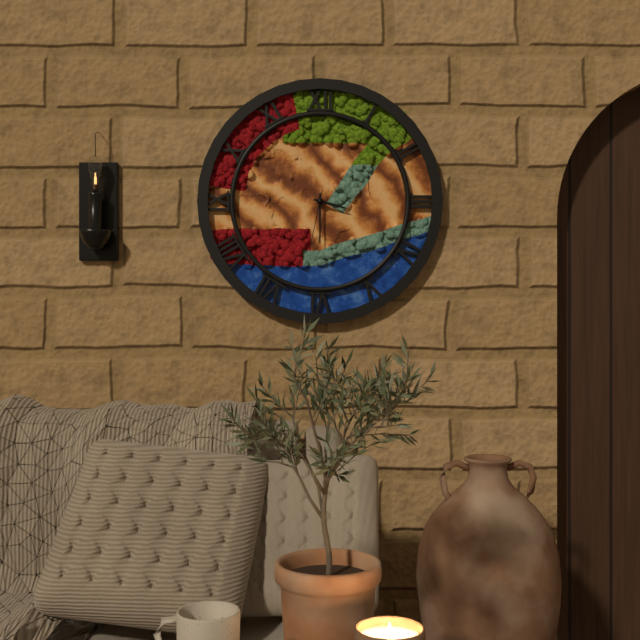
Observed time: 3:30:32
